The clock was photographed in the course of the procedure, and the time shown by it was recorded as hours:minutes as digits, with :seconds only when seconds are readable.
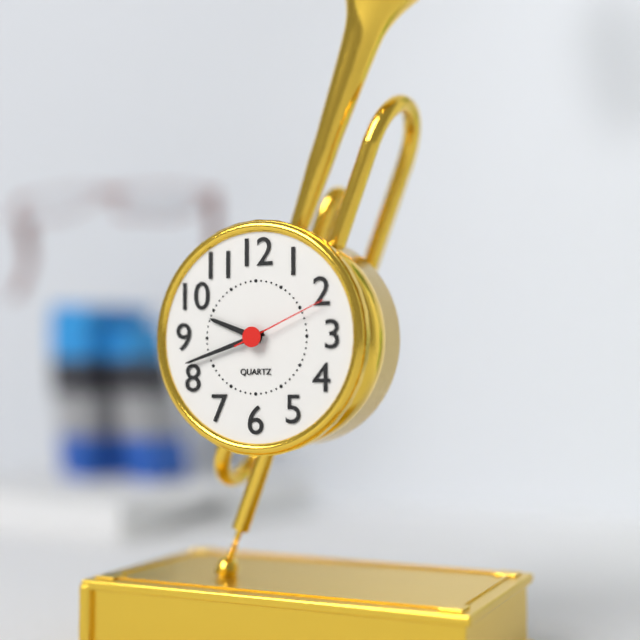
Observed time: 9:42:11
